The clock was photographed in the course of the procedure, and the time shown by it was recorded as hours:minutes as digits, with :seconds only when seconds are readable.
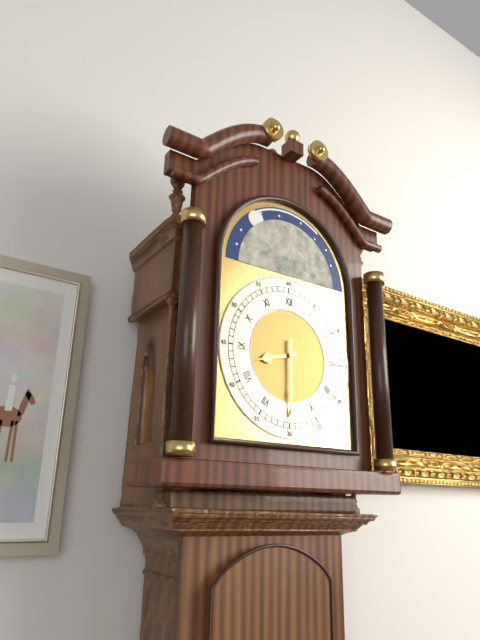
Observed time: 8:30
